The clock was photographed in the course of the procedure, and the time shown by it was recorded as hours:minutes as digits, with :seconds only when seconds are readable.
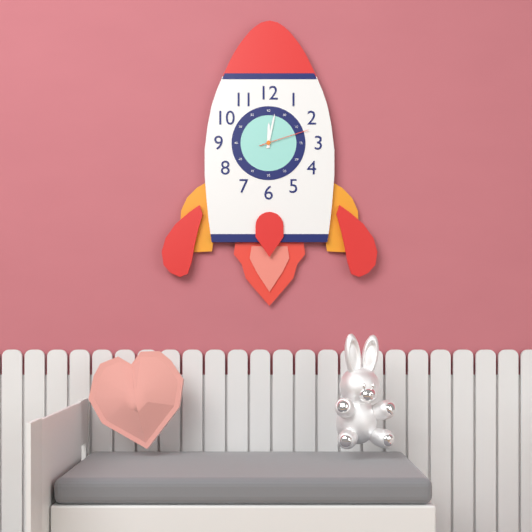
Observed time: 12:02:12
